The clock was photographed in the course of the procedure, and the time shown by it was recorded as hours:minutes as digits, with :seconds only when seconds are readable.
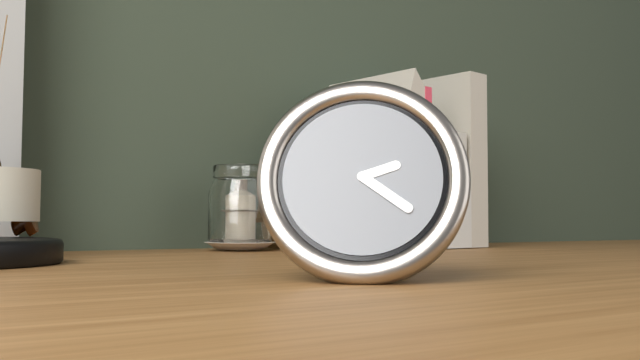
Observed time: 2:21
